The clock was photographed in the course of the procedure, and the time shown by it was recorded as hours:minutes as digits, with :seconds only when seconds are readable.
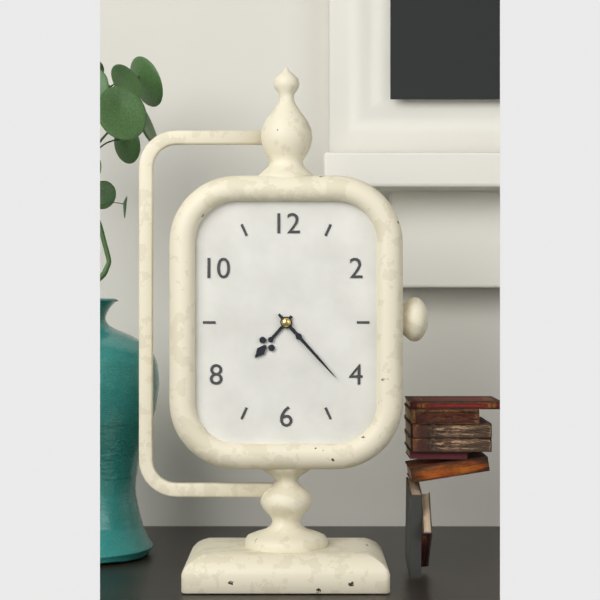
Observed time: 7:23
